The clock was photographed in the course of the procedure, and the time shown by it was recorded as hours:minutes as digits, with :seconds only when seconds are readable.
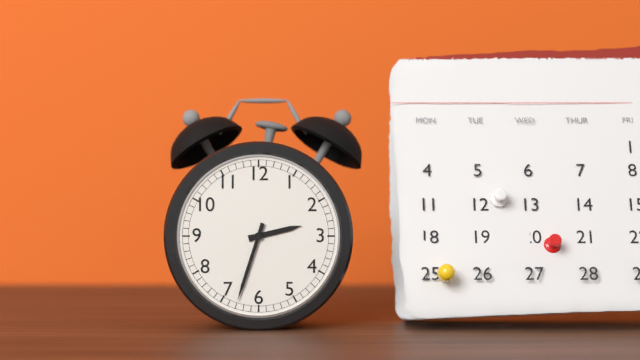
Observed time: 2:33
